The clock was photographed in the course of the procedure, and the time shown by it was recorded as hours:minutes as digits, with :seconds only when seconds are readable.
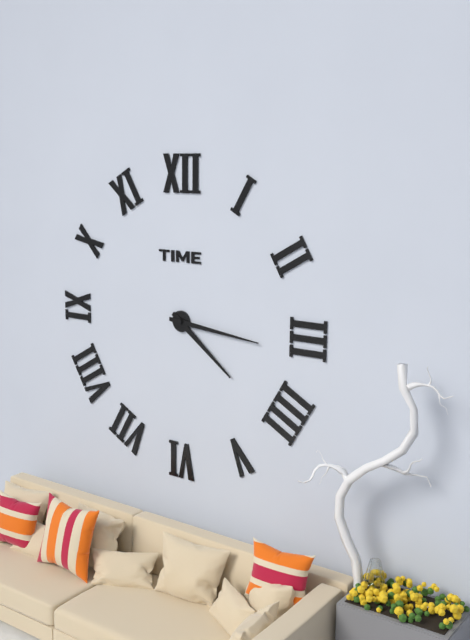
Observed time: 4:16
